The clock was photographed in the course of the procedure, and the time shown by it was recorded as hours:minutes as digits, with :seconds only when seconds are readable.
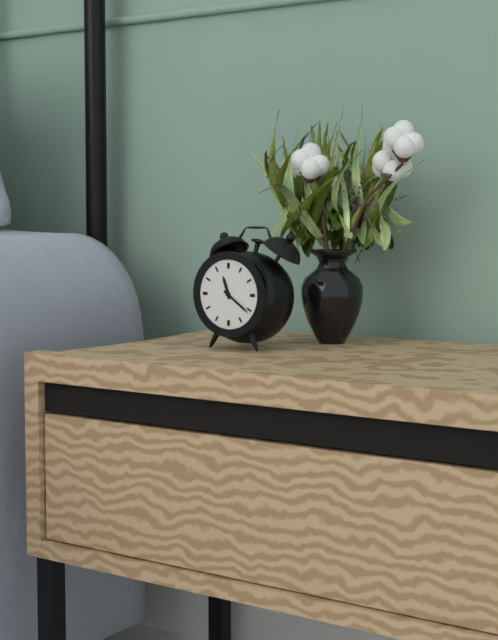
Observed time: 11:21
